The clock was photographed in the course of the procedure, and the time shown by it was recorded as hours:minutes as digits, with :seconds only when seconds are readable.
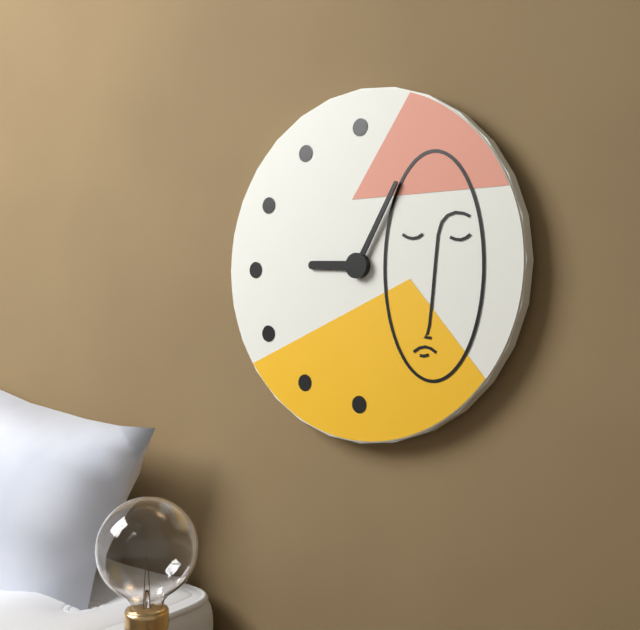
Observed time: 9:05
